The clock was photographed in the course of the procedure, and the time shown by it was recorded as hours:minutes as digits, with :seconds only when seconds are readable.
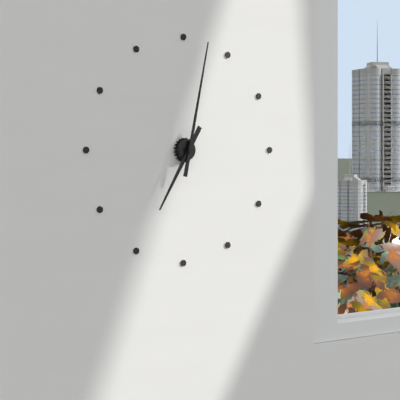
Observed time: 7:02
